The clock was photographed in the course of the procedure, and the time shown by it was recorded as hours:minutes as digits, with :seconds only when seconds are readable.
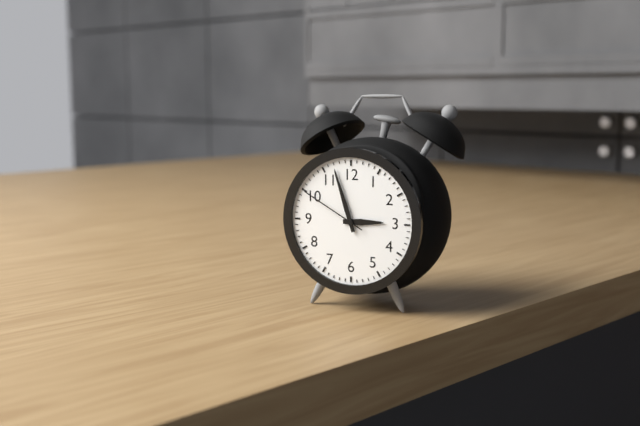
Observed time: 2:57:50
